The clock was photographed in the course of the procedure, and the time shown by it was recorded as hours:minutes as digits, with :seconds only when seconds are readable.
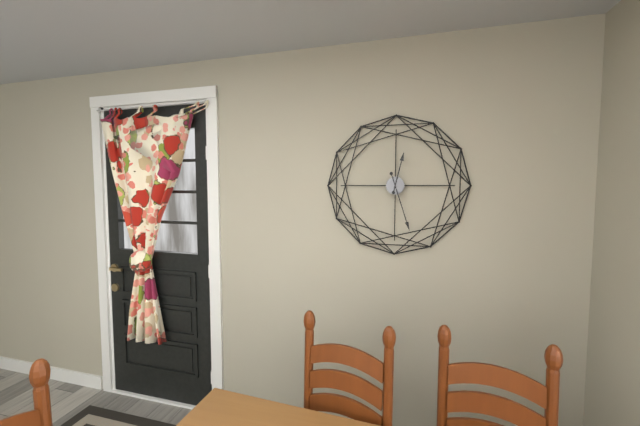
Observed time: 12:27
